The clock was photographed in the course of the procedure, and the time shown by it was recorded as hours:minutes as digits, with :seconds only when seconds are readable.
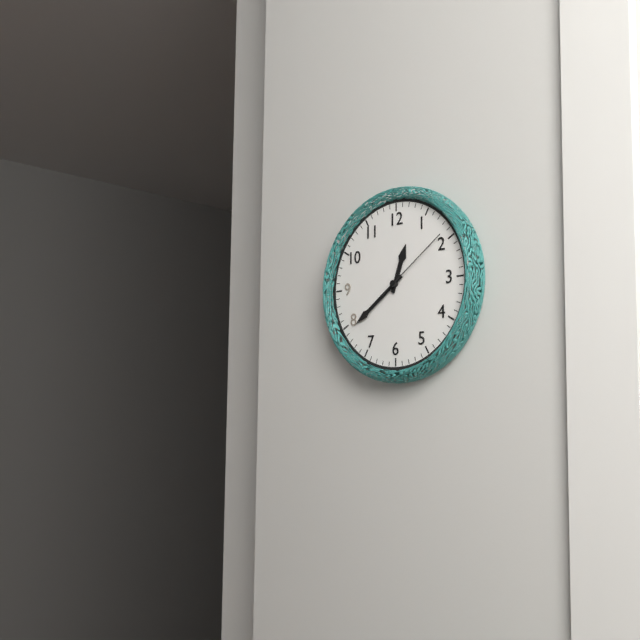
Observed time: 12:39:09
